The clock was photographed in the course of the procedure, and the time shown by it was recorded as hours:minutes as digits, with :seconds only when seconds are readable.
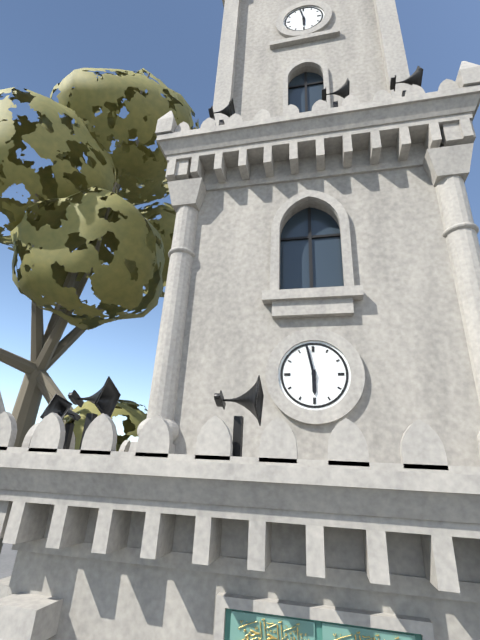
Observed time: 5:58
